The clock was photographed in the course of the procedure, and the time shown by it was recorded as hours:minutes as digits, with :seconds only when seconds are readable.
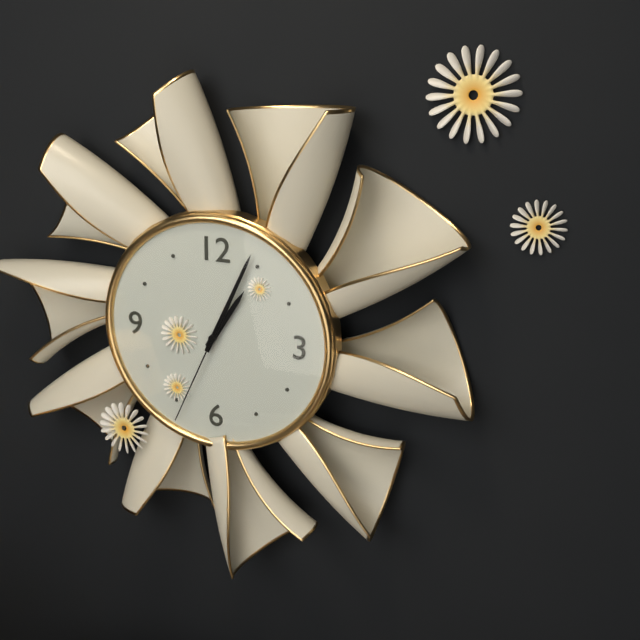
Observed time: 1:04:34
